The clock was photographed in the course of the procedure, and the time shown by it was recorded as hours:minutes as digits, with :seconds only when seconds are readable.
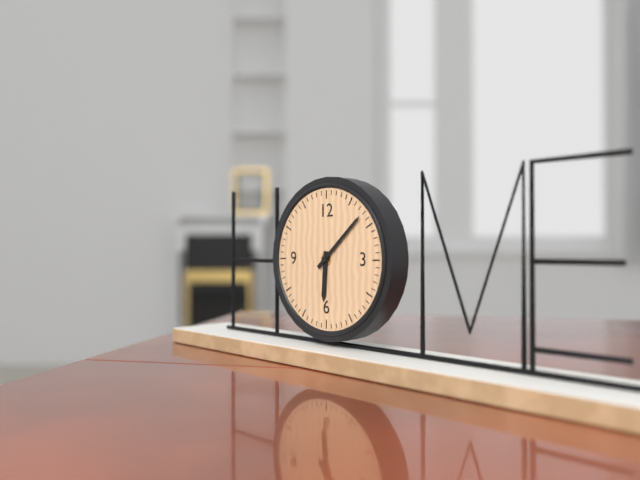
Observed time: 6:08
